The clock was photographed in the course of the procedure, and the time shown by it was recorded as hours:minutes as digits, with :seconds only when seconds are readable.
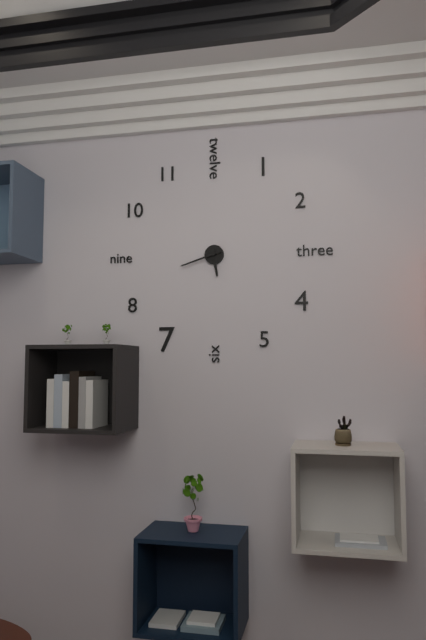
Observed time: 5:42
